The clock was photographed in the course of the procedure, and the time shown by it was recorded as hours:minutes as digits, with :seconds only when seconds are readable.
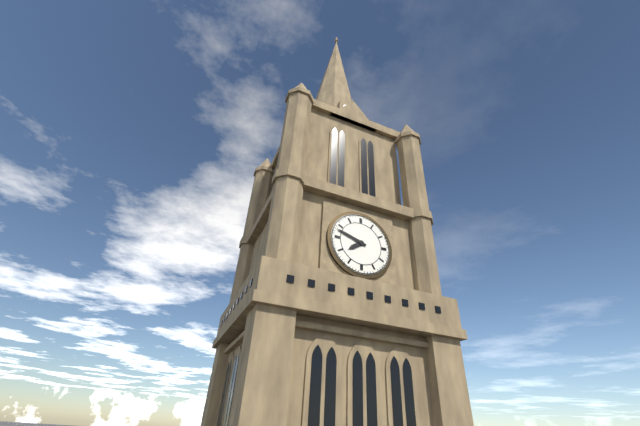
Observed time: 7:48
